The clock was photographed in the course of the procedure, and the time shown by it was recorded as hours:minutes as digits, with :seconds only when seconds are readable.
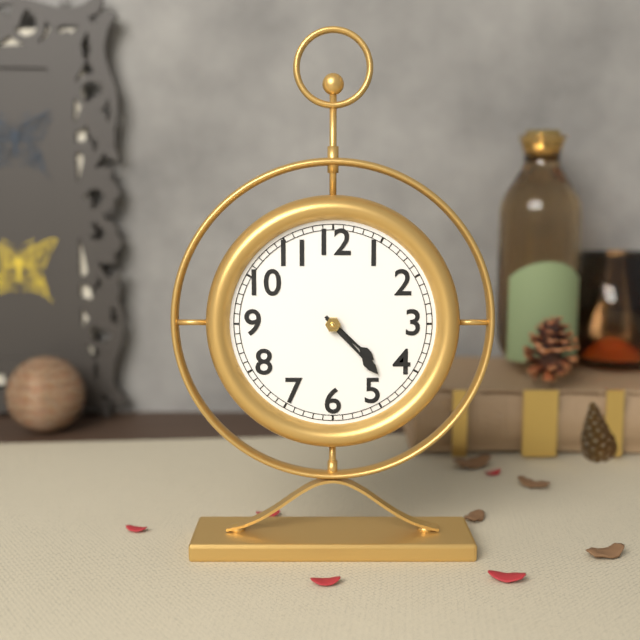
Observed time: 4:23
